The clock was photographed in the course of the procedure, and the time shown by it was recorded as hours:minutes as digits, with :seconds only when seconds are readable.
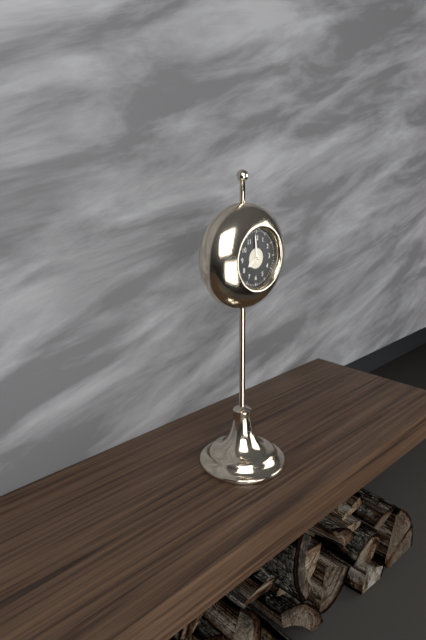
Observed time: 7:59
